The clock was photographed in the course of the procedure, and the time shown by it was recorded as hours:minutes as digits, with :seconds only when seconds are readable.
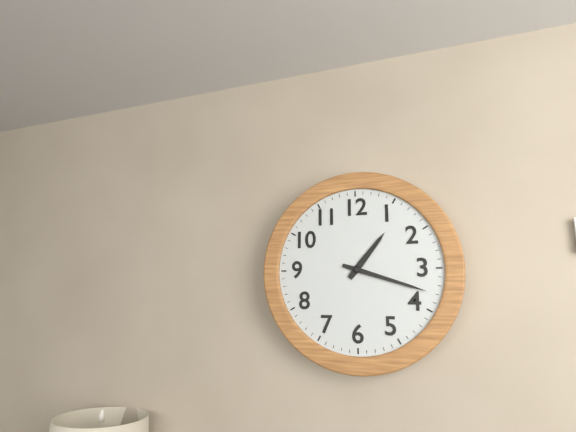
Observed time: 1:18
